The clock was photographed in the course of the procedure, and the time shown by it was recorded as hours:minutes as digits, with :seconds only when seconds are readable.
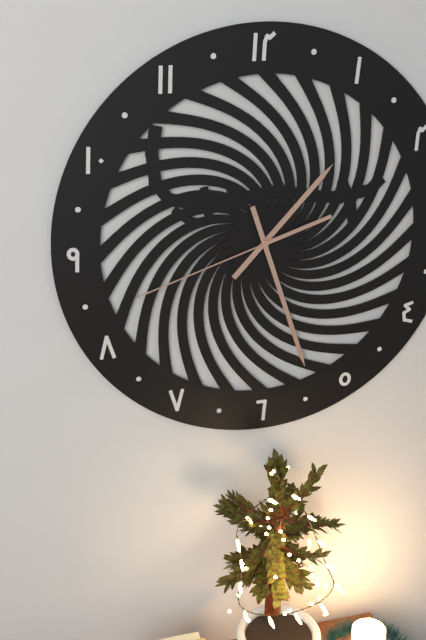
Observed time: 1:27:42
